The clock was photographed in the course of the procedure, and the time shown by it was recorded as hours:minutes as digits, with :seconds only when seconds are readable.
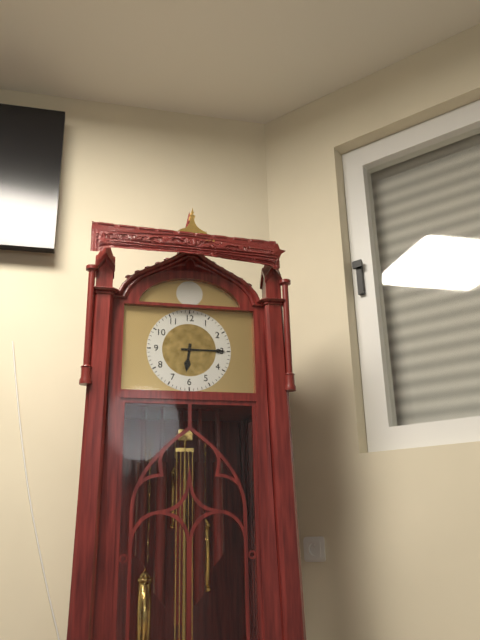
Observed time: 6:15
